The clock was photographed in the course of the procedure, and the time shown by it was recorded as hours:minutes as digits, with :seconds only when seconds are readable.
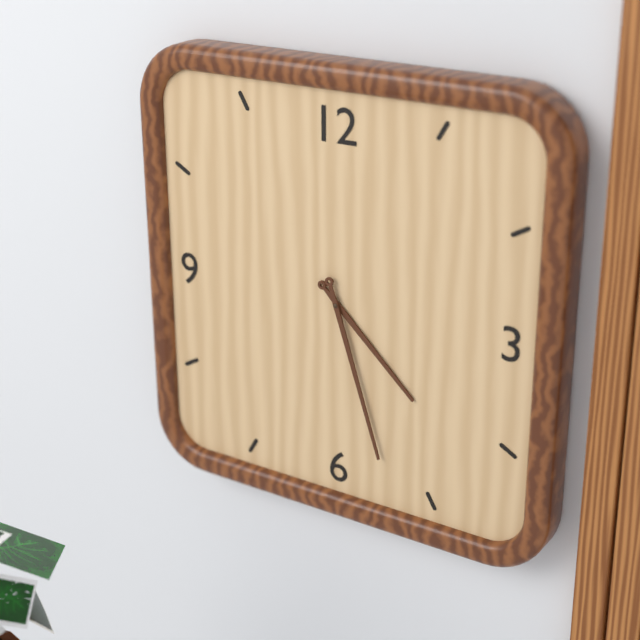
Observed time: 4:27
